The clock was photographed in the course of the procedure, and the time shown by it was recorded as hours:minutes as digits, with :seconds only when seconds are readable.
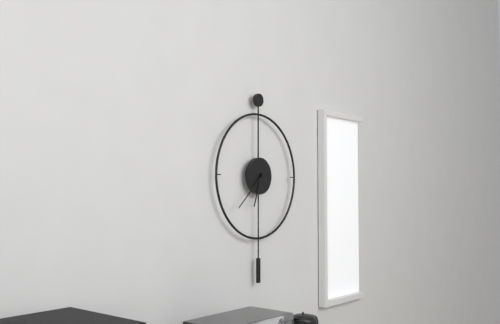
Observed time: 6:38
